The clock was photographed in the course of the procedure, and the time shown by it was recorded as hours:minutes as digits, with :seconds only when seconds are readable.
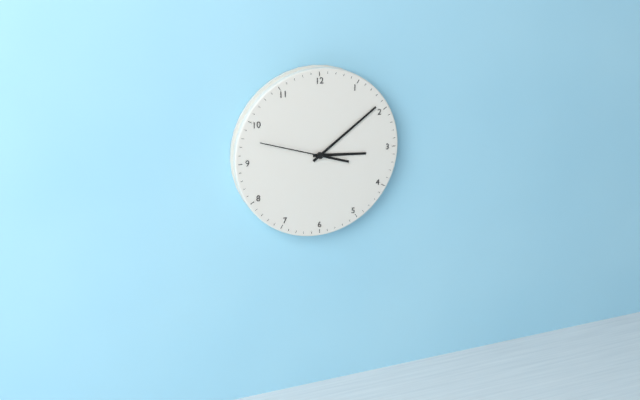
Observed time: 3:09:48
